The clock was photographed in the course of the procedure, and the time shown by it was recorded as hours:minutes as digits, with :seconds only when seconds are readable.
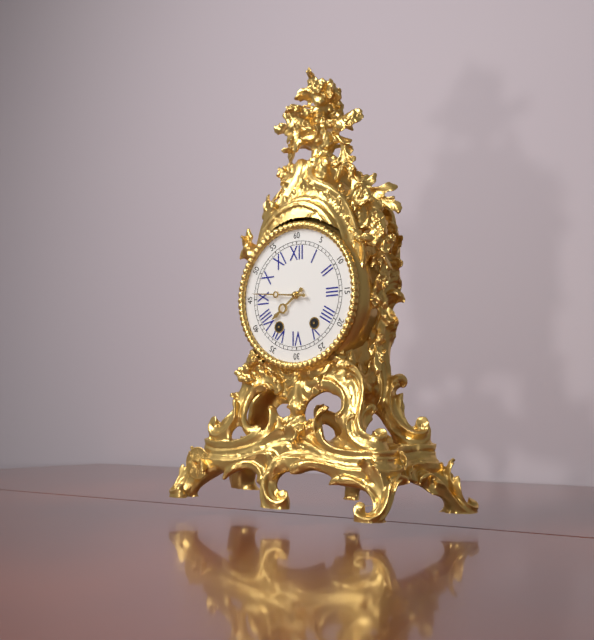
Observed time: 7:46
